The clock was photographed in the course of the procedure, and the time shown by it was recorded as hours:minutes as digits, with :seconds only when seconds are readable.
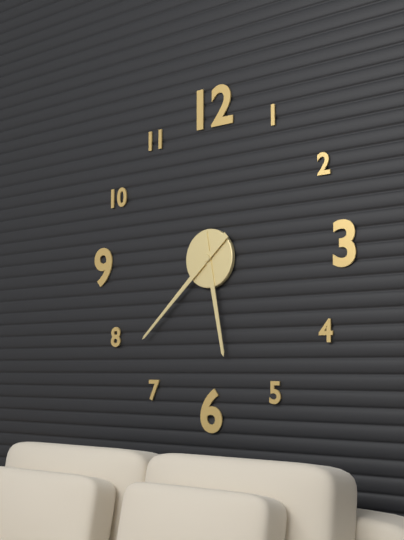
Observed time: 5:38
